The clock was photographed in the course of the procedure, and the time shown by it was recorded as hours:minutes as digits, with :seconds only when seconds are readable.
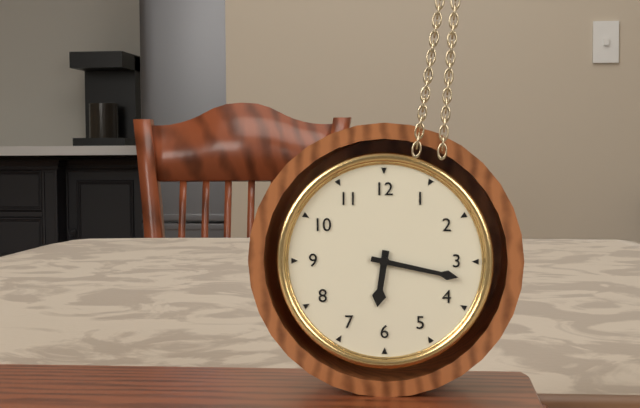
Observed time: 6:17
